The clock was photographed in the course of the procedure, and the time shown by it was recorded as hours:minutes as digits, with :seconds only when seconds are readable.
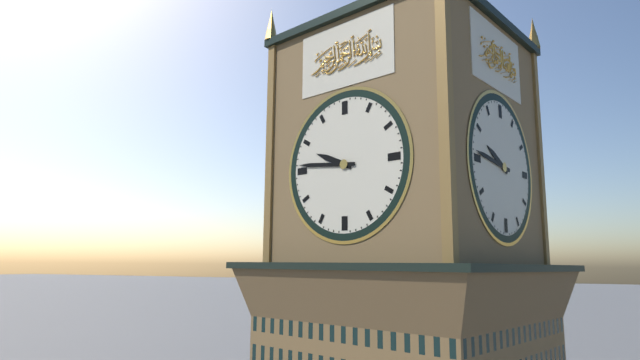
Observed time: 9:46
